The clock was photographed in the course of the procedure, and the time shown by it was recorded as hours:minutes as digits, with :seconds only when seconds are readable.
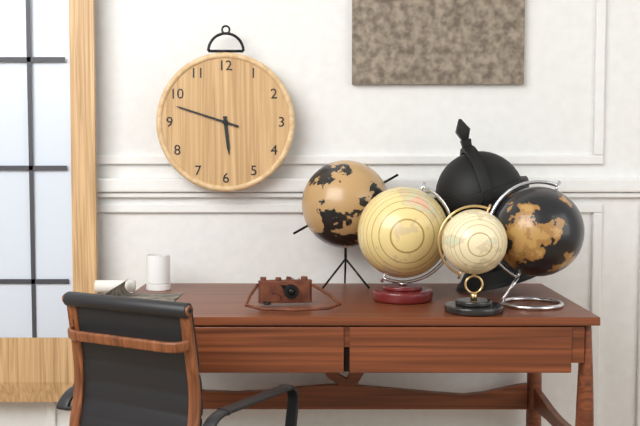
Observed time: 5:48
